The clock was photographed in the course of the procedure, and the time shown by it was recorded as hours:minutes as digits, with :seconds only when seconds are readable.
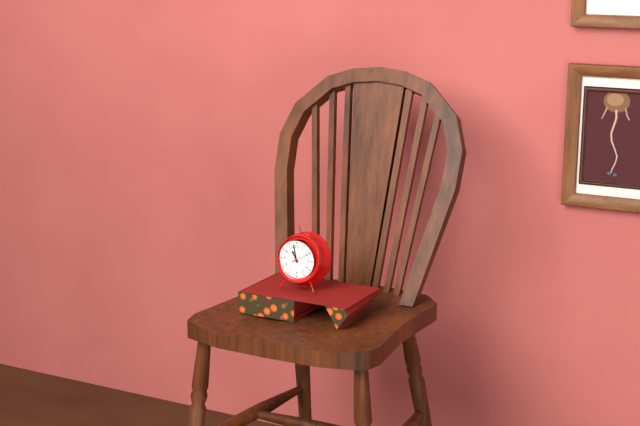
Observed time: 10:58
